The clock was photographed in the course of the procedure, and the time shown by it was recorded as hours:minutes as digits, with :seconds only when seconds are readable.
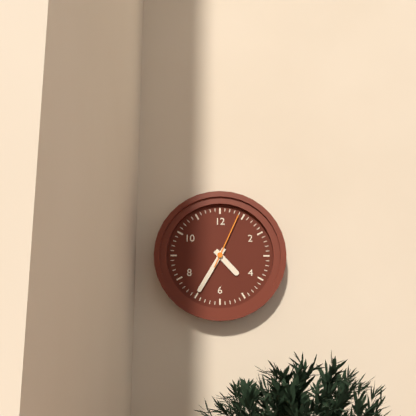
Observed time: 4:35:04
